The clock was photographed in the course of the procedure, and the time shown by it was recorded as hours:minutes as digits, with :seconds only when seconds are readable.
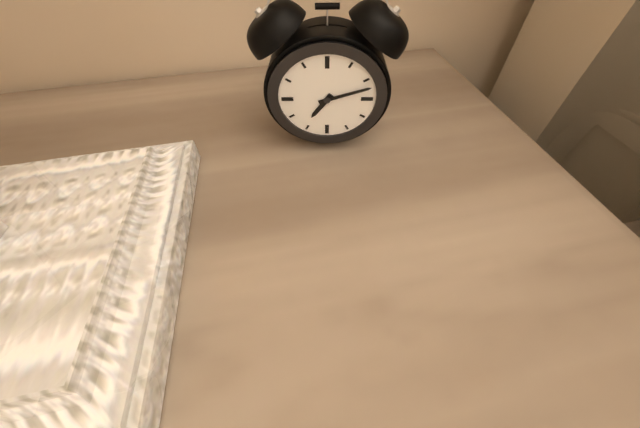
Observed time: 7:12
